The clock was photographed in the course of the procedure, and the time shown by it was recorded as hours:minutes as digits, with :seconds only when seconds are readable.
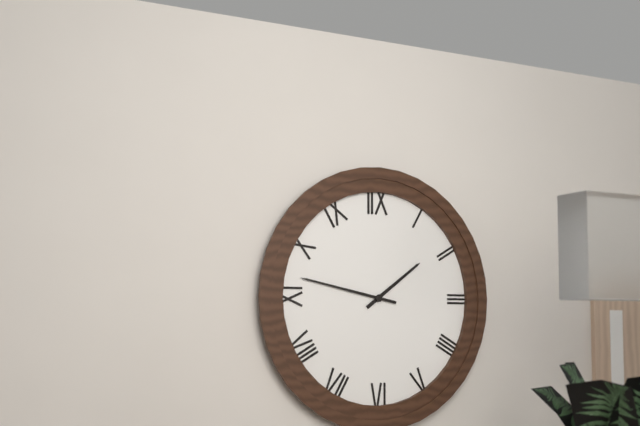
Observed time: 1:47
